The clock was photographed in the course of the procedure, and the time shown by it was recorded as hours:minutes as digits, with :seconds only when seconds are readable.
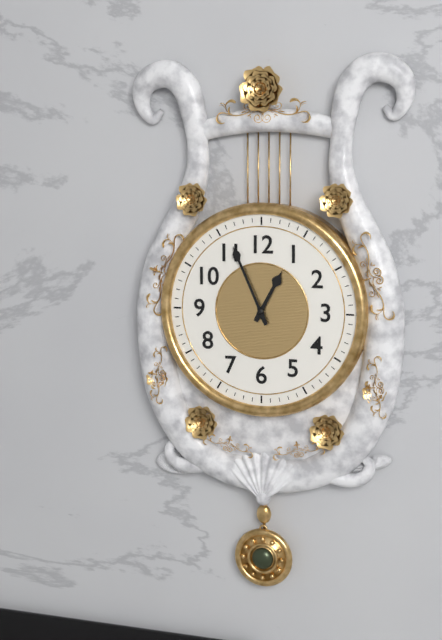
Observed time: 12:56
